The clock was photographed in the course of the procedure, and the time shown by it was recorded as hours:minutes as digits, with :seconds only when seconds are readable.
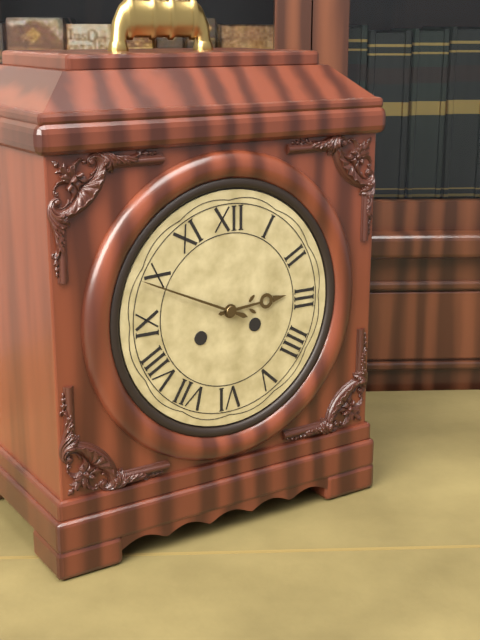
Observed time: 2:49
